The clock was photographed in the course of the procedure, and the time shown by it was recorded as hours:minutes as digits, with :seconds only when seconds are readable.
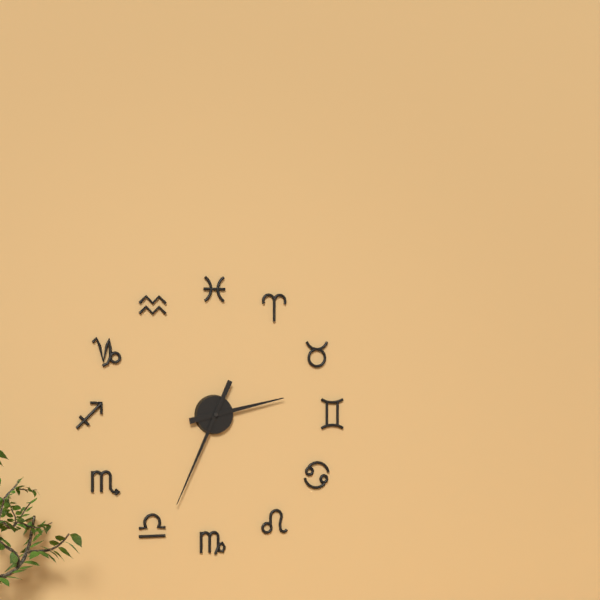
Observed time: 2:34
